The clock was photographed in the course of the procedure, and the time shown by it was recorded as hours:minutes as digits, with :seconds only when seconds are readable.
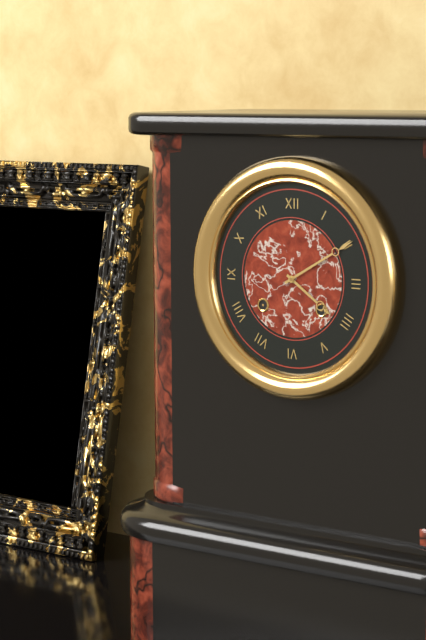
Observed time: 4:10
